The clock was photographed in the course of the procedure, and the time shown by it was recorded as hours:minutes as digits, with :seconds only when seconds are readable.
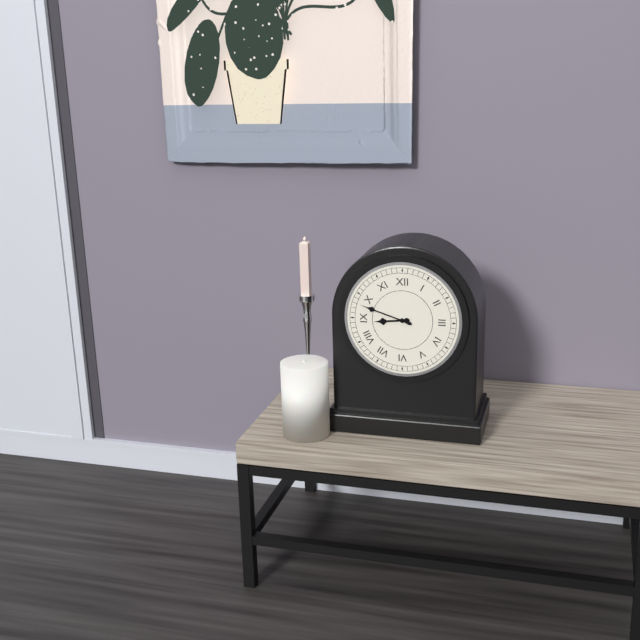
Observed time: 8:48
